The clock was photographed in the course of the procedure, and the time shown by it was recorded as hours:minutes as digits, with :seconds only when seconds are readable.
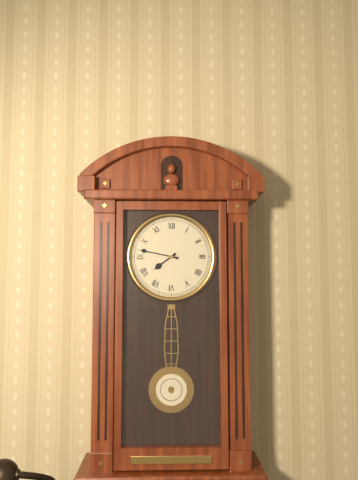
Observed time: 7:47
